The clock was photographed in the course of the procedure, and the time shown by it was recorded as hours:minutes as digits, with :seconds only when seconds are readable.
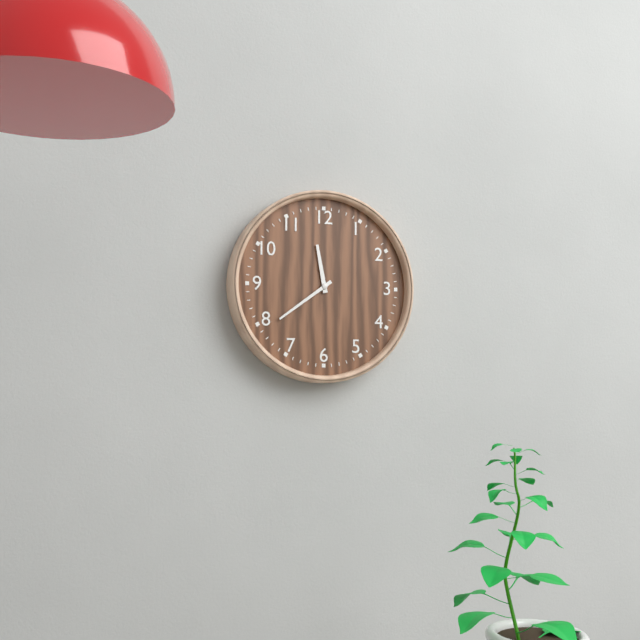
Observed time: 11:39
